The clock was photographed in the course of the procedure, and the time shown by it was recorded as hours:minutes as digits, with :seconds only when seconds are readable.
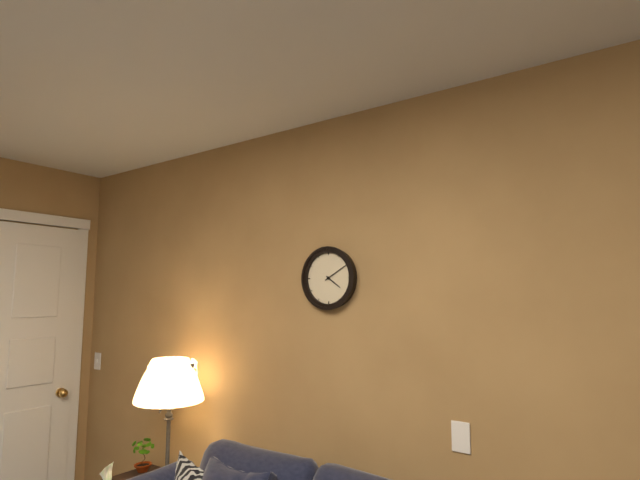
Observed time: 4:10
